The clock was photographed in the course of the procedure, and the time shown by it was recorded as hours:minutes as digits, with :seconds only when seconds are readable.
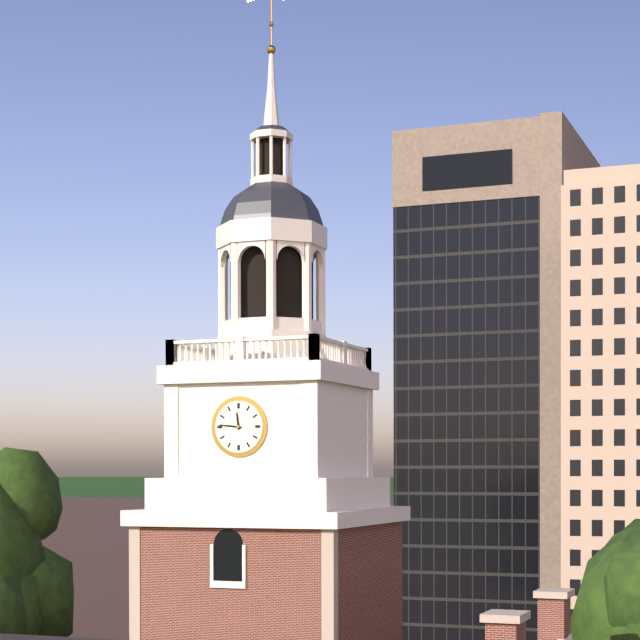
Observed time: 11:46
